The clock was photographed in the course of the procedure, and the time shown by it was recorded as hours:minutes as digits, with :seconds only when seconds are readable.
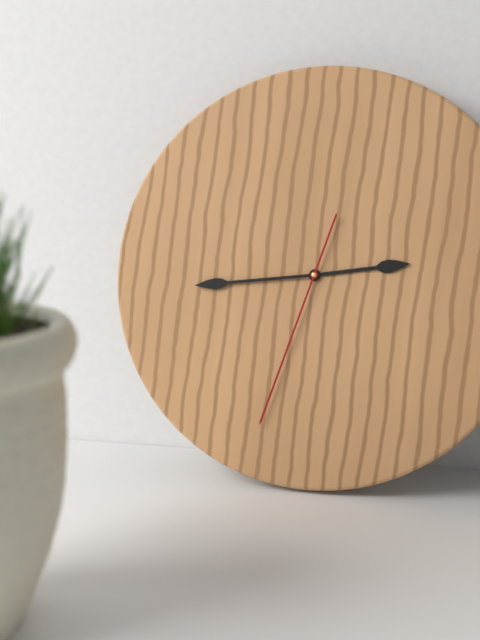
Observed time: 2:44:33
